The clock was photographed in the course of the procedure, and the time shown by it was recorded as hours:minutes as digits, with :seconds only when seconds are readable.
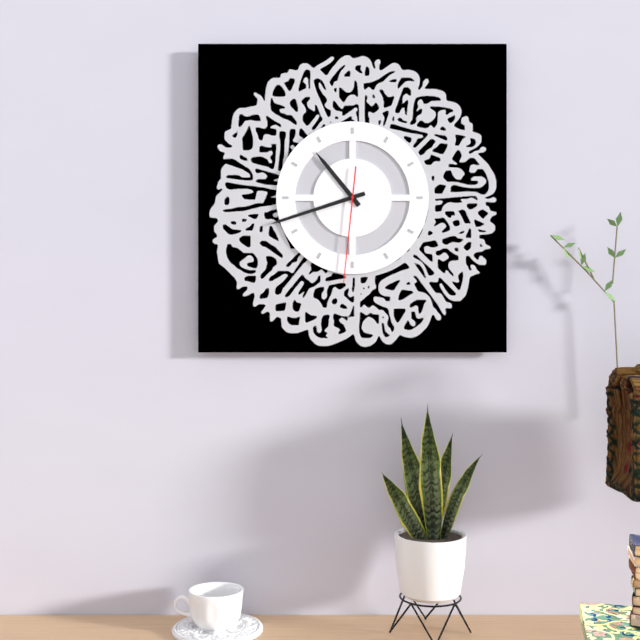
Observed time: 10:42:31
